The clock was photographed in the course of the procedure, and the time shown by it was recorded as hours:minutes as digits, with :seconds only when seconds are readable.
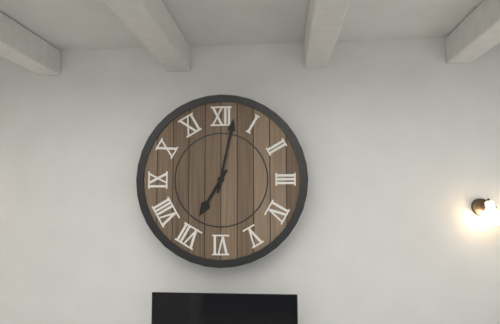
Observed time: 7:02
